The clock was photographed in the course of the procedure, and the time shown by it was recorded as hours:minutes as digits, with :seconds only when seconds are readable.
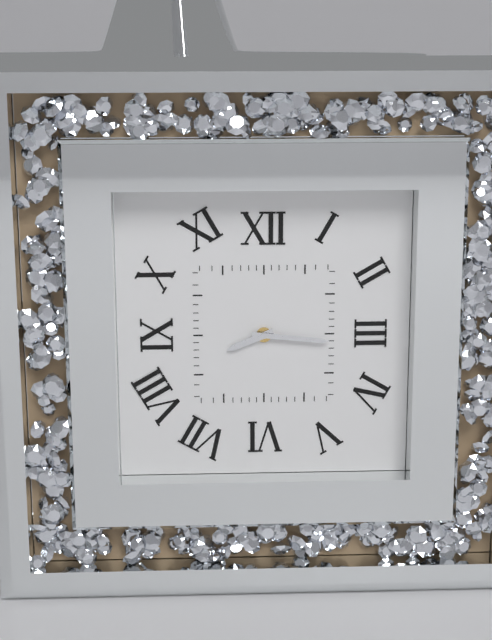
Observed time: 8:16
